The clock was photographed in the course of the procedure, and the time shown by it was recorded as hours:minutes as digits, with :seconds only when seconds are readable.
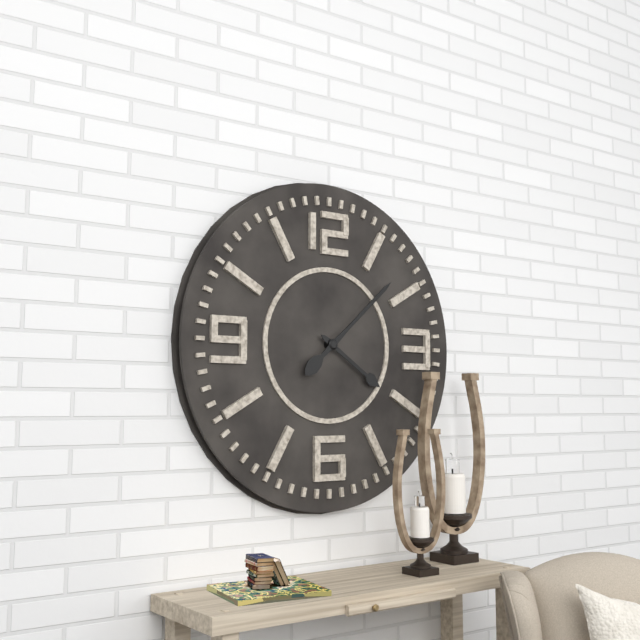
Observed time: 4:08
